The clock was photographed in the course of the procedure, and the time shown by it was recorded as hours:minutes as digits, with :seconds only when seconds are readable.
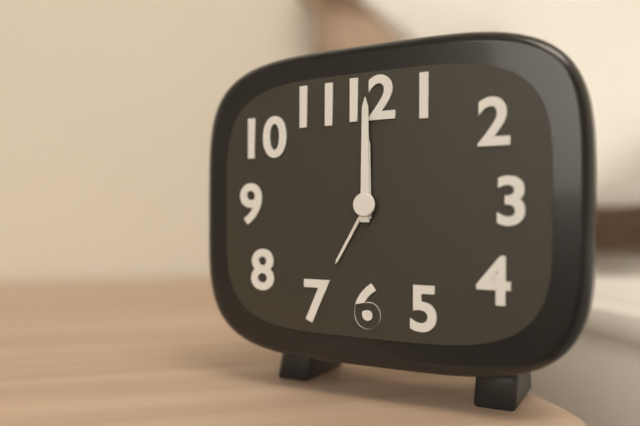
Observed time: 12:00
